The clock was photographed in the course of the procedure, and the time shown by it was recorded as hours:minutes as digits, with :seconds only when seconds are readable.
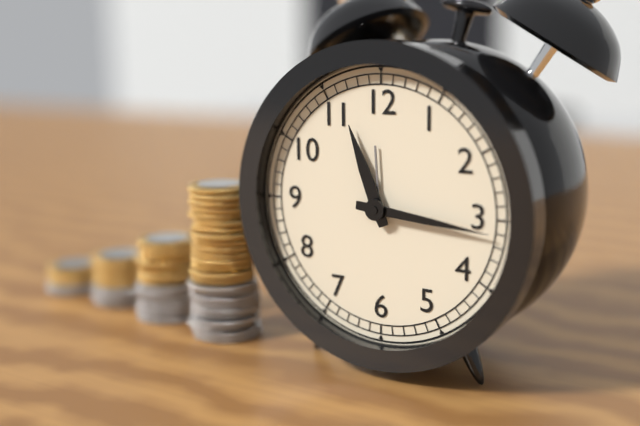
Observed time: 11:16
